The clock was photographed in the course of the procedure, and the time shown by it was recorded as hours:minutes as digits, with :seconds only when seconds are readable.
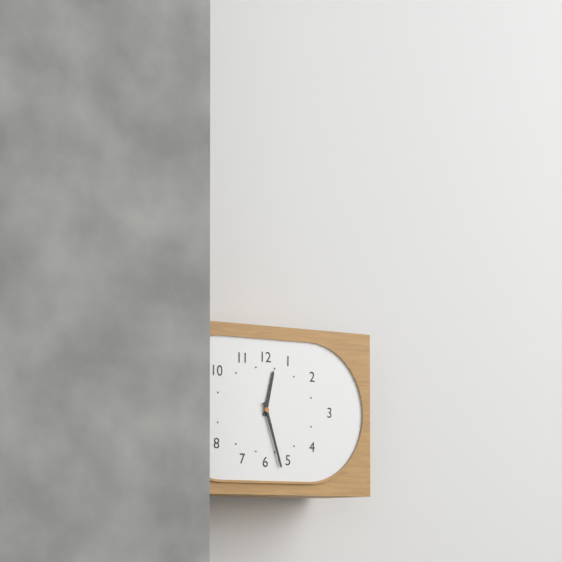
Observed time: 12:27
